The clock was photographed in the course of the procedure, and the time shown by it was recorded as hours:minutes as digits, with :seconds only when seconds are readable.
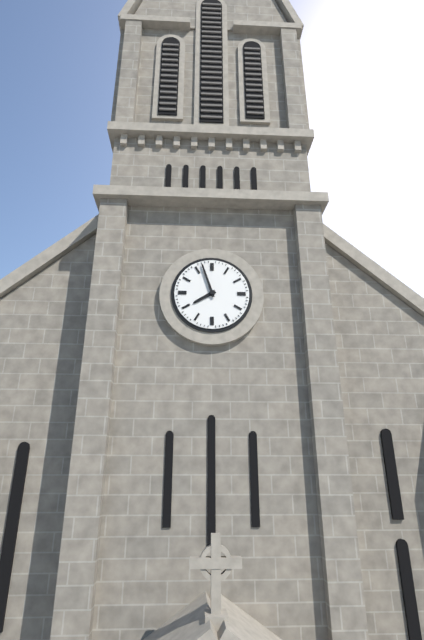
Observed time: 7:57
